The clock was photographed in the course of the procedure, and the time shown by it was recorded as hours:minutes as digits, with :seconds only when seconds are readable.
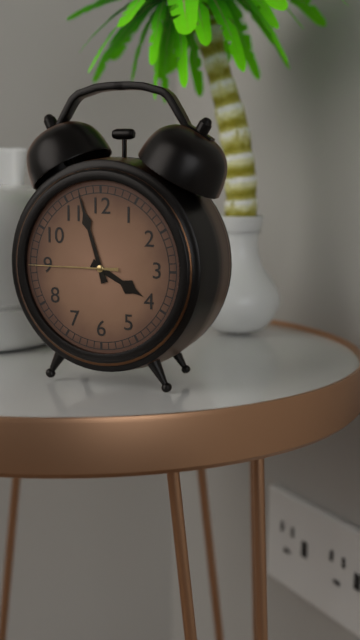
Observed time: 3:57:45
